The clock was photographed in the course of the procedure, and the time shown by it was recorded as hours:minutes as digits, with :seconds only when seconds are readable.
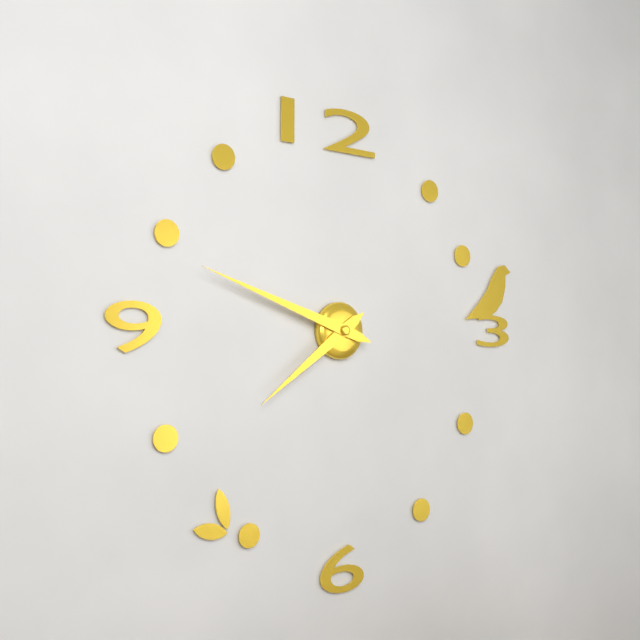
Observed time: 7:48
